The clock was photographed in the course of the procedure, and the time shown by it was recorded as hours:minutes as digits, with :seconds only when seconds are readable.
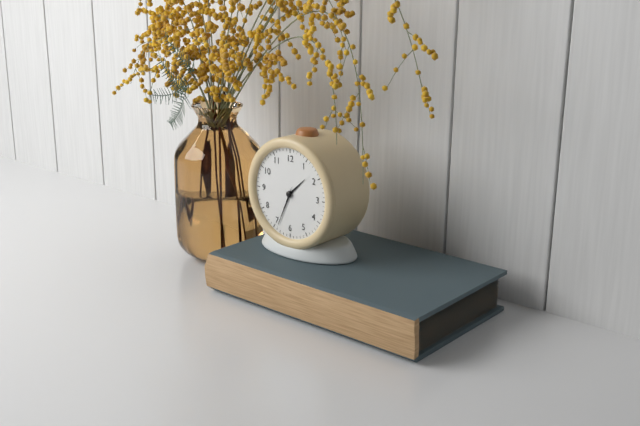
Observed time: 1:34
